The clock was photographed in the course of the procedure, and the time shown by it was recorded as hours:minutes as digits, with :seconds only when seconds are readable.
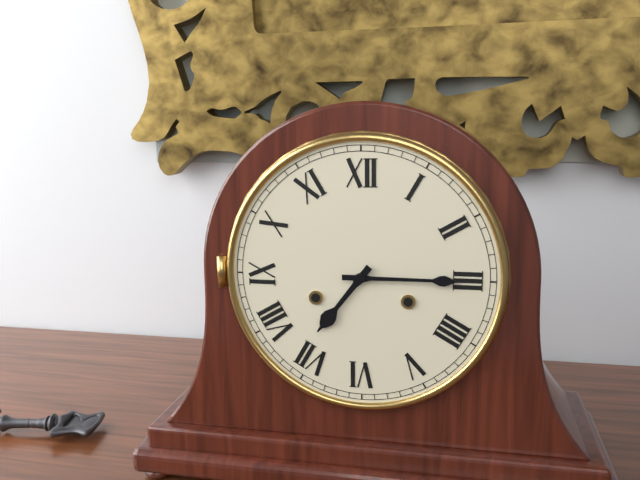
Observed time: 7:15
